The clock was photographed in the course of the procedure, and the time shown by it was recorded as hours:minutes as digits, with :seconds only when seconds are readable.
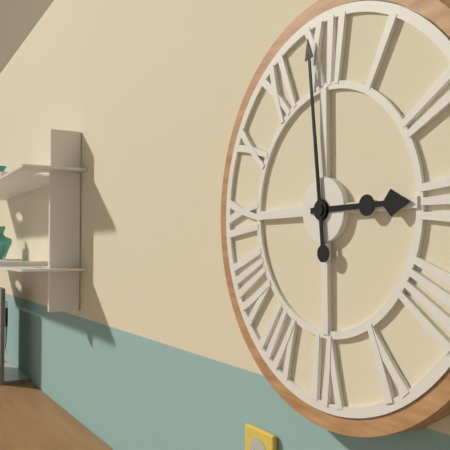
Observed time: 2:59
